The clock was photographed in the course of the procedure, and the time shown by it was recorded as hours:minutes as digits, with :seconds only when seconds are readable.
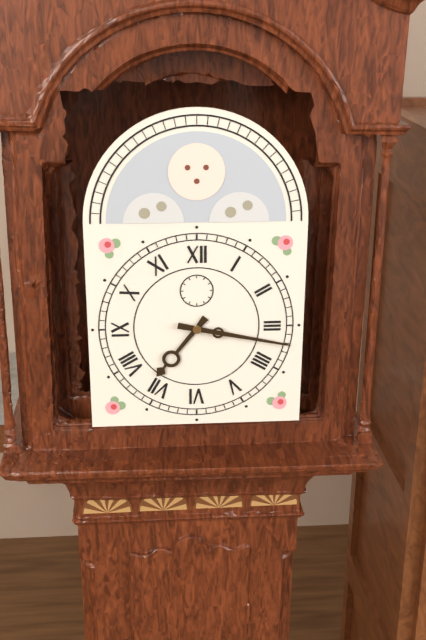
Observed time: 7:17
